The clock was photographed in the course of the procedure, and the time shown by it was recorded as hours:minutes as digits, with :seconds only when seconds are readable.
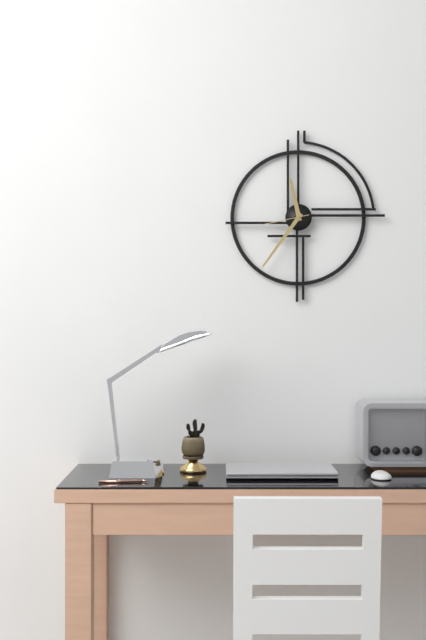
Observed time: 11:36
